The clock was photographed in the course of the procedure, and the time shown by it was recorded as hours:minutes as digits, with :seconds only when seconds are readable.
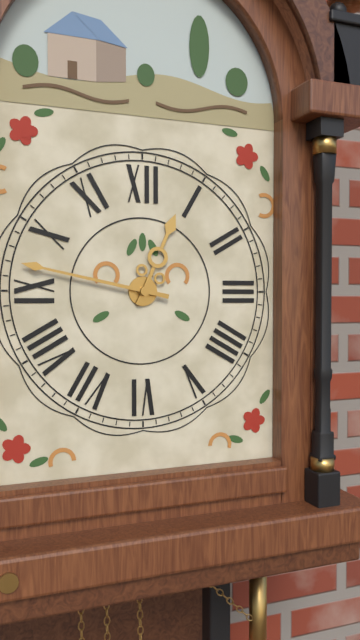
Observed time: 12:47
